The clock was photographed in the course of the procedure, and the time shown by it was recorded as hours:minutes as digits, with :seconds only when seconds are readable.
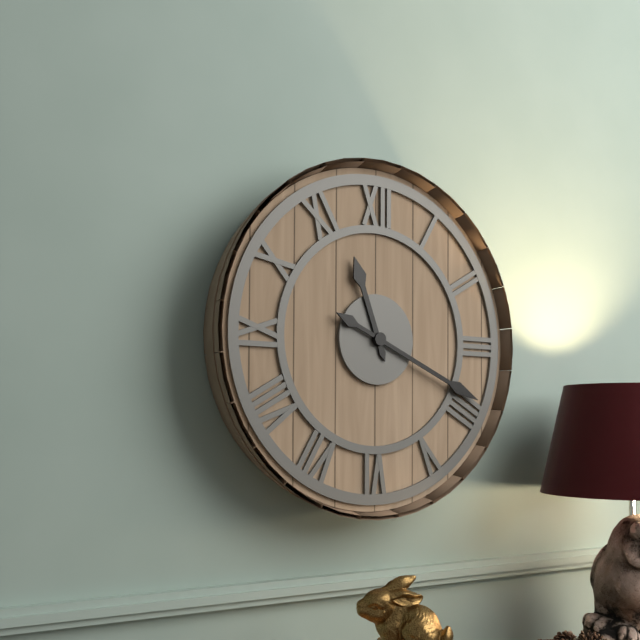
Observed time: 11:19
